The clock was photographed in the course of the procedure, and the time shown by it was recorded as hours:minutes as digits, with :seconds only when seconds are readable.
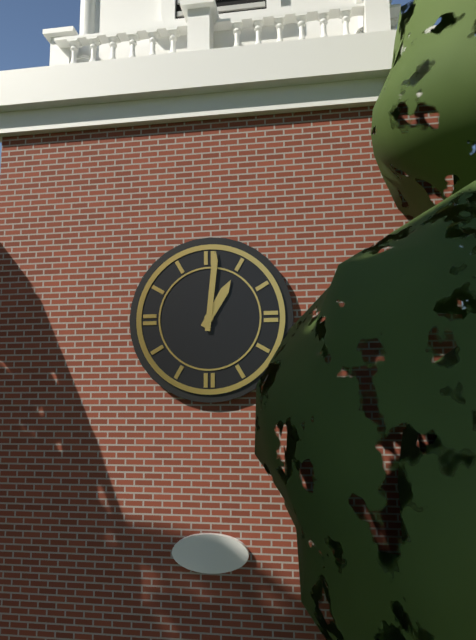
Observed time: 1:01
